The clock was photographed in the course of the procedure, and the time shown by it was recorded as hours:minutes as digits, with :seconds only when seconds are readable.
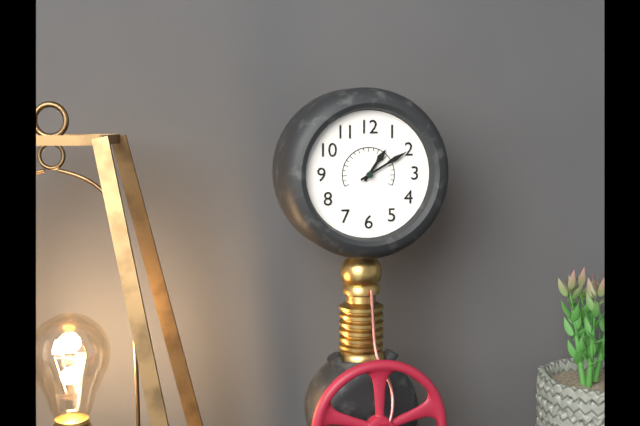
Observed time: 1:10
